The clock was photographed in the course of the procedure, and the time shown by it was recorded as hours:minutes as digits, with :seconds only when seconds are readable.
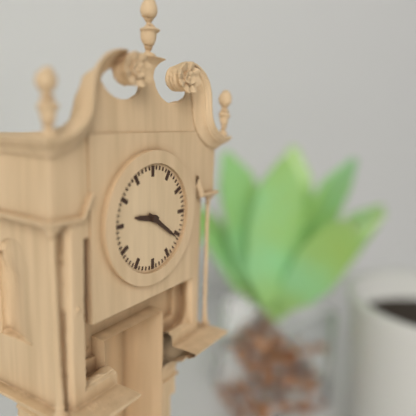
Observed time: 9:21
